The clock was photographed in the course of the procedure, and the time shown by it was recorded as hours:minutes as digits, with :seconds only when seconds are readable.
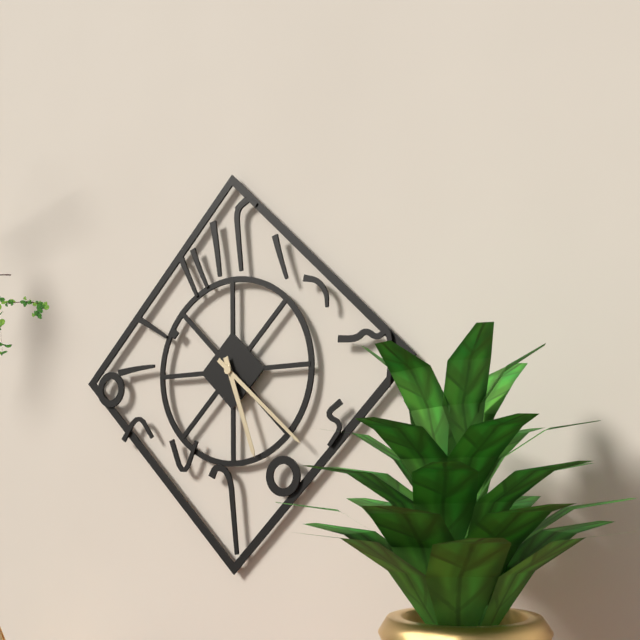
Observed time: 5:22
